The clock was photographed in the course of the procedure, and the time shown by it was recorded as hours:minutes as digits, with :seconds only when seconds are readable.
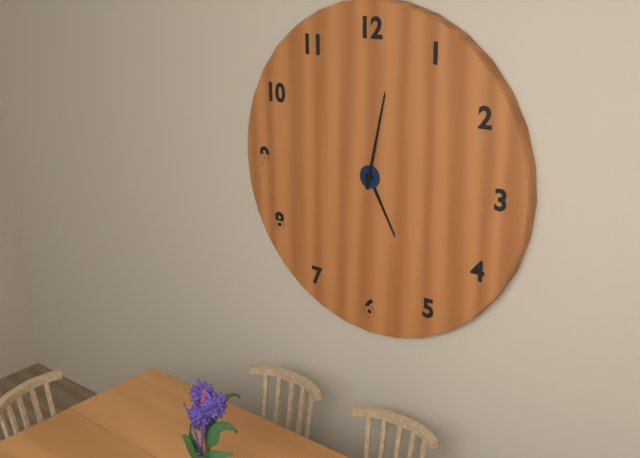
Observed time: 5:02
